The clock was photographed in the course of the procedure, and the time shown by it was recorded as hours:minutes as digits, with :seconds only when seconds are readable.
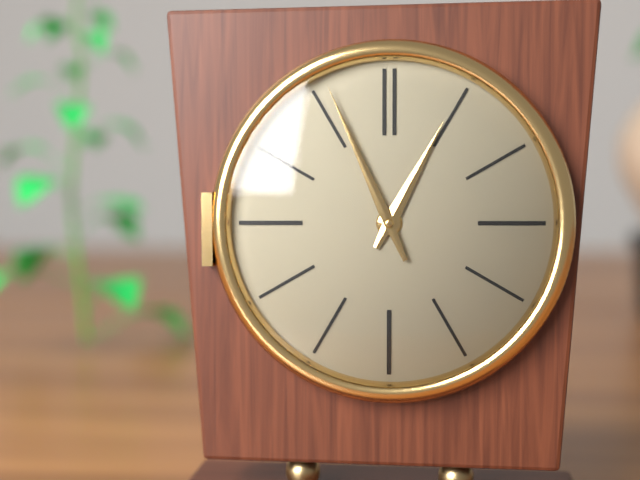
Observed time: 12:56
